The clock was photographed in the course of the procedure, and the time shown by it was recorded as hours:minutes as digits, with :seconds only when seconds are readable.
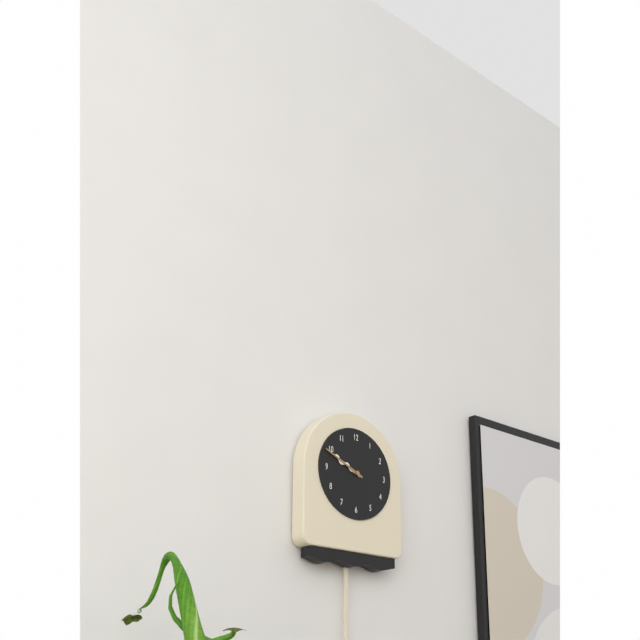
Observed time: 9:49
